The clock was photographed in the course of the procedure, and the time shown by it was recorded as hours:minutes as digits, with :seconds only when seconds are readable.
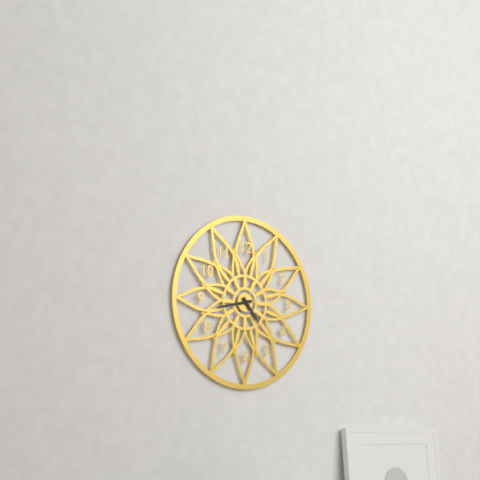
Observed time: 4:43
